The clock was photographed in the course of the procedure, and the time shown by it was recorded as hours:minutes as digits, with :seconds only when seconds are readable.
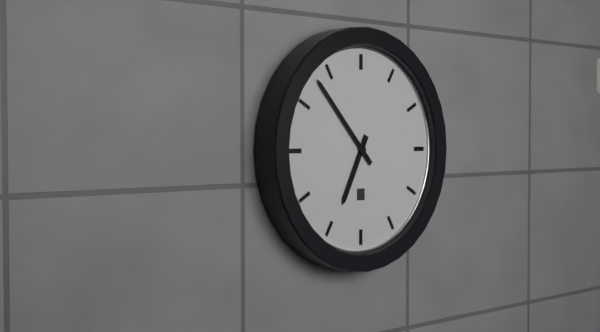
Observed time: 6:53
